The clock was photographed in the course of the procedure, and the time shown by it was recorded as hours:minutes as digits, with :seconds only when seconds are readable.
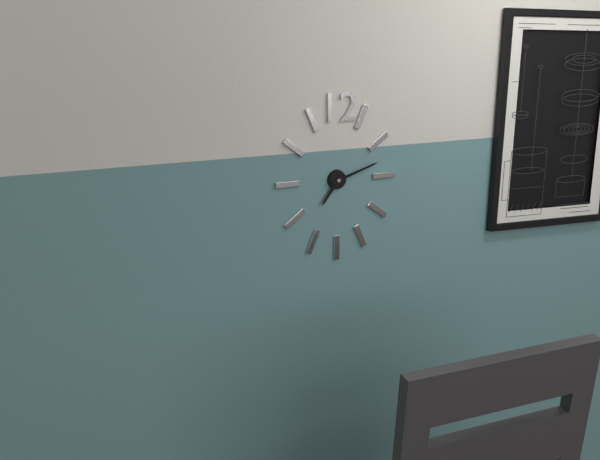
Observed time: 7:12
